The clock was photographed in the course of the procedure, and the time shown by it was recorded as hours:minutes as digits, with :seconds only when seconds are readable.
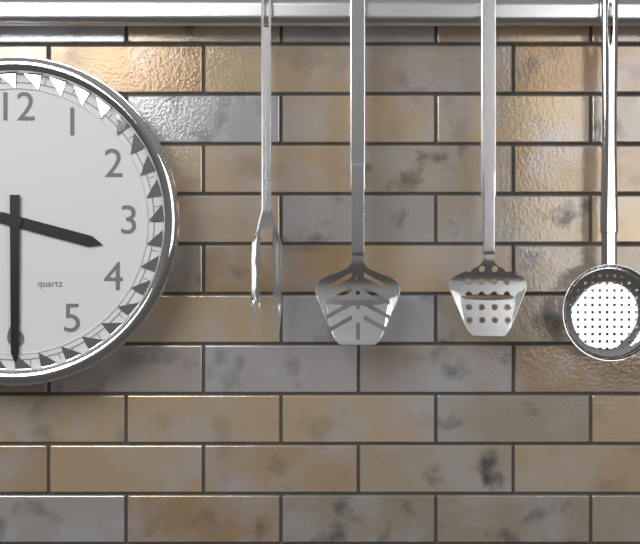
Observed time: 3:30
